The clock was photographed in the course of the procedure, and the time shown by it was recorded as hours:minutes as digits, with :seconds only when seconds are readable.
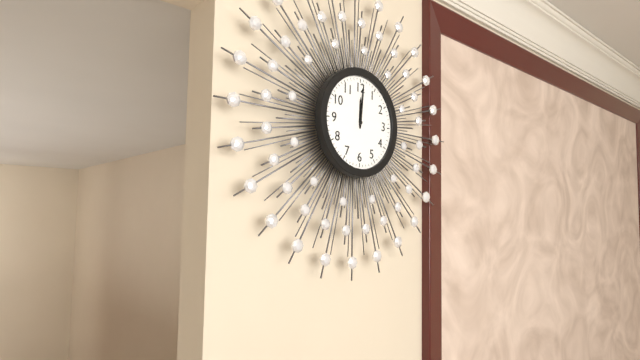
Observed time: 12:01
